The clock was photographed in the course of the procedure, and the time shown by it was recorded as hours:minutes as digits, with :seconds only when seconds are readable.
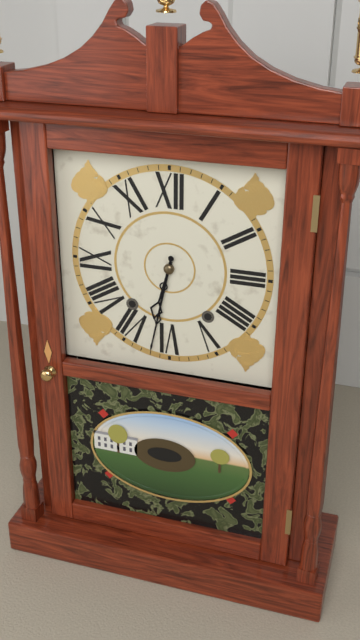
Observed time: 6:32
